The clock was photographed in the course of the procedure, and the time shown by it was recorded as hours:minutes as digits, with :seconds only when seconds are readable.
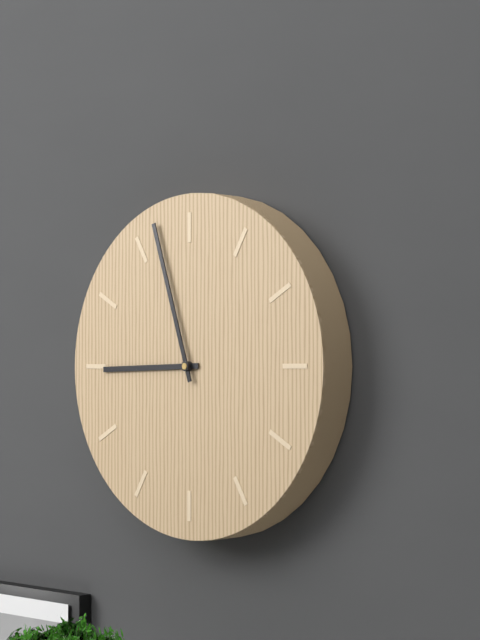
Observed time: 8:57
